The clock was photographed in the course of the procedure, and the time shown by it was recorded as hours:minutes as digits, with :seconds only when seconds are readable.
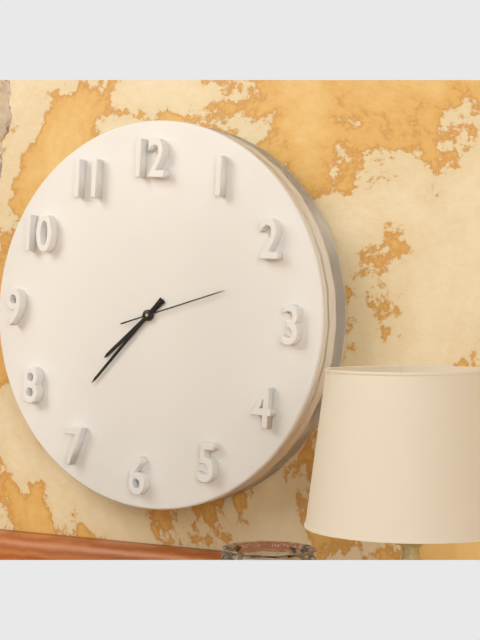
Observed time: 7:37:12
